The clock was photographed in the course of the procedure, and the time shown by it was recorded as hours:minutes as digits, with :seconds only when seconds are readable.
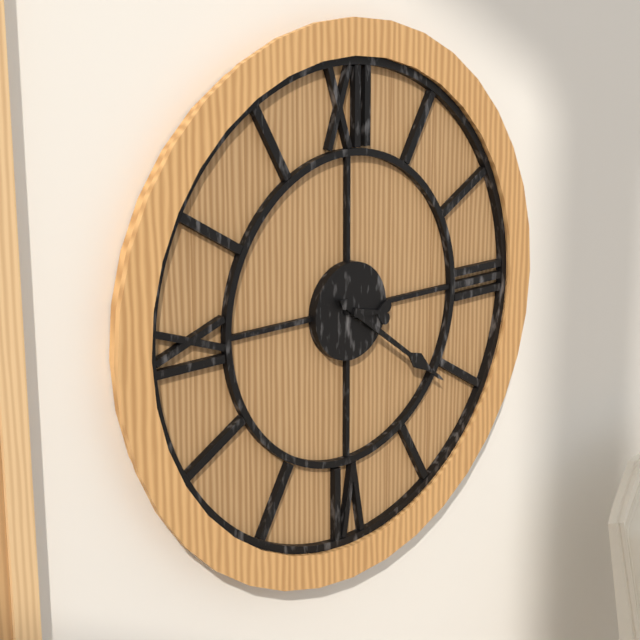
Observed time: 3:21
